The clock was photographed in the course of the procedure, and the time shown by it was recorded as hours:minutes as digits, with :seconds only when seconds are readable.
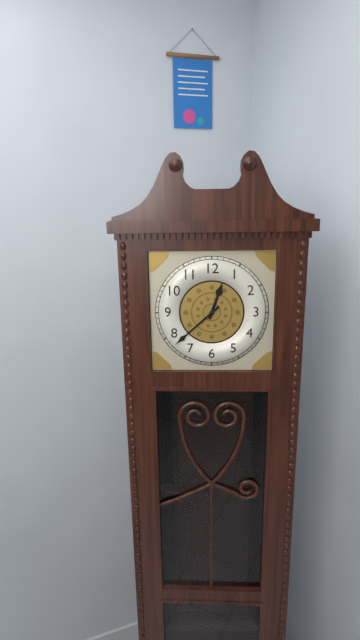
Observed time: 12:38
